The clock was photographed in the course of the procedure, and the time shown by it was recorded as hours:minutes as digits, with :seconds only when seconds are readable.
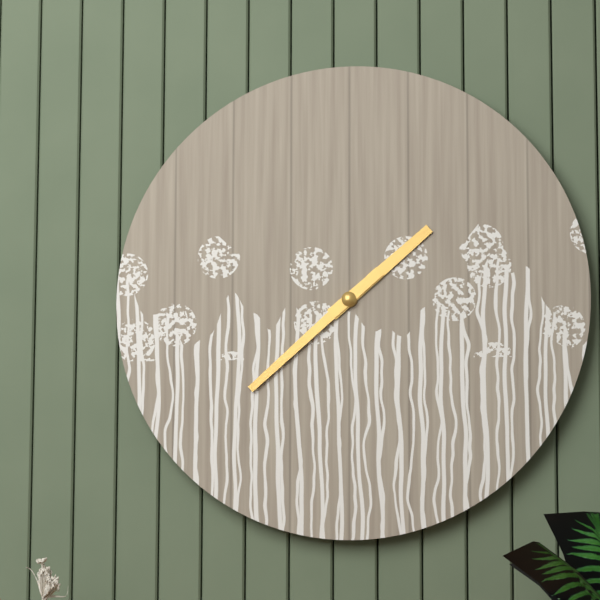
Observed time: 1:38
